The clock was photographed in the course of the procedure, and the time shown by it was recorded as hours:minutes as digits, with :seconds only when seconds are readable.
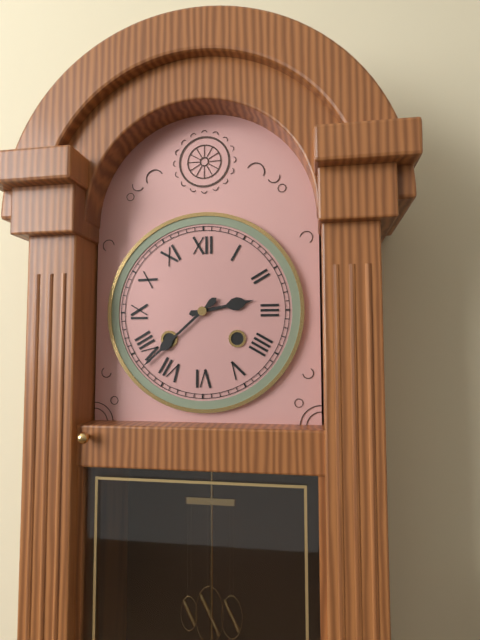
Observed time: 2:38
